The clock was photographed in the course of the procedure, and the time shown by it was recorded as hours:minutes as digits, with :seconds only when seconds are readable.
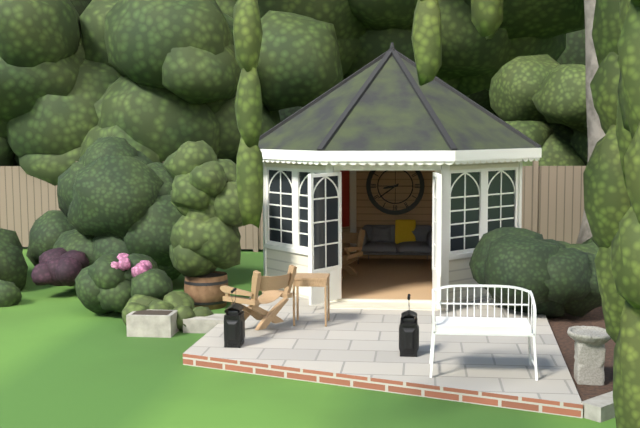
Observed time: 8:39
